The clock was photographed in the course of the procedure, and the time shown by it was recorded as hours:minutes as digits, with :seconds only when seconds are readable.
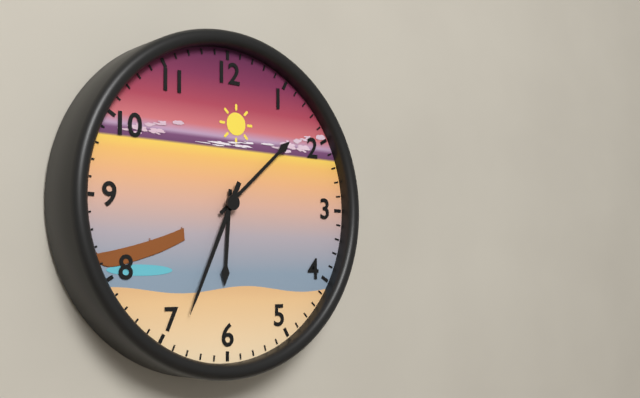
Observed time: 6:08:34
